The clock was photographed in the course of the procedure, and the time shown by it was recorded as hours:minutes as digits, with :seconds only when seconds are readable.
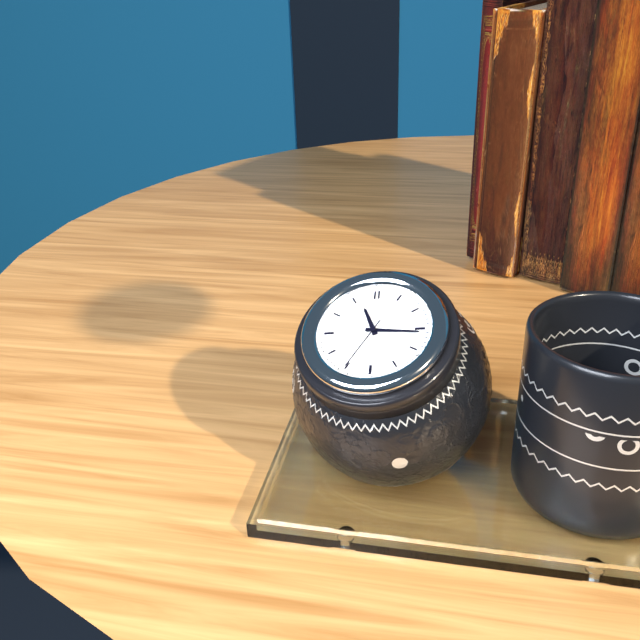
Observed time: 11:16:35
